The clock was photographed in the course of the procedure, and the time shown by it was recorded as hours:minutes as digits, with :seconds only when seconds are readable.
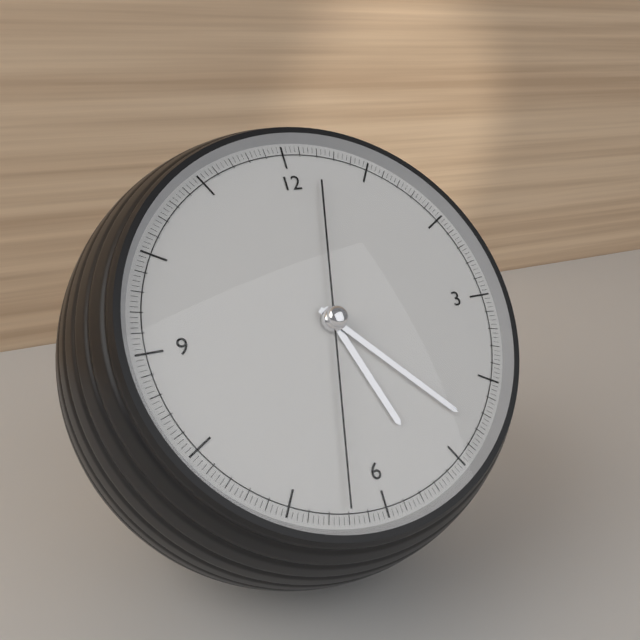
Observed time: 5:23:32
